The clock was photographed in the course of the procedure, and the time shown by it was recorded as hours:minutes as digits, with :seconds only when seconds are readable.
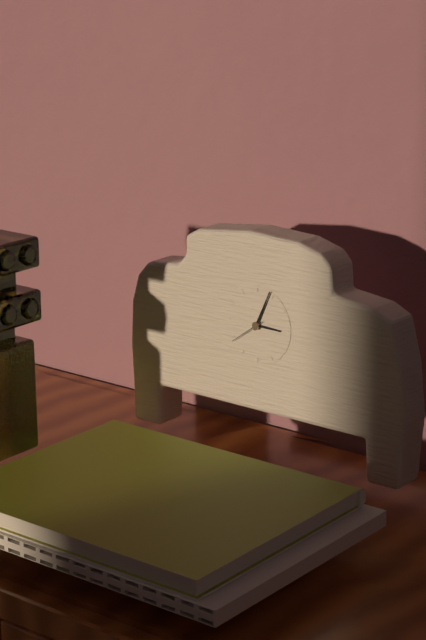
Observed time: 3:04
